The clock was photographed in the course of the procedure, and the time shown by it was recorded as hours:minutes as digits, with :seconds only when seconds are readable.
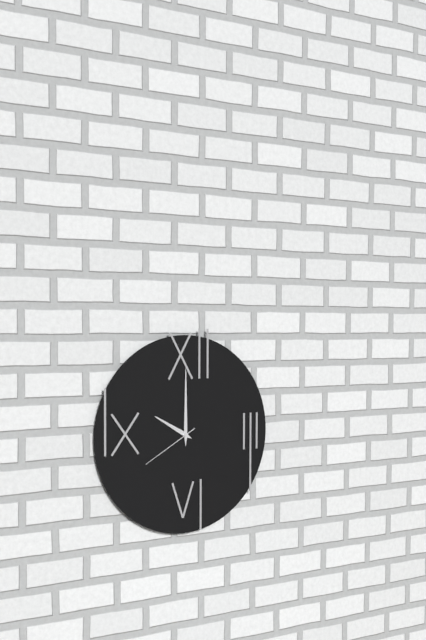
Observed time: 10:00:40
